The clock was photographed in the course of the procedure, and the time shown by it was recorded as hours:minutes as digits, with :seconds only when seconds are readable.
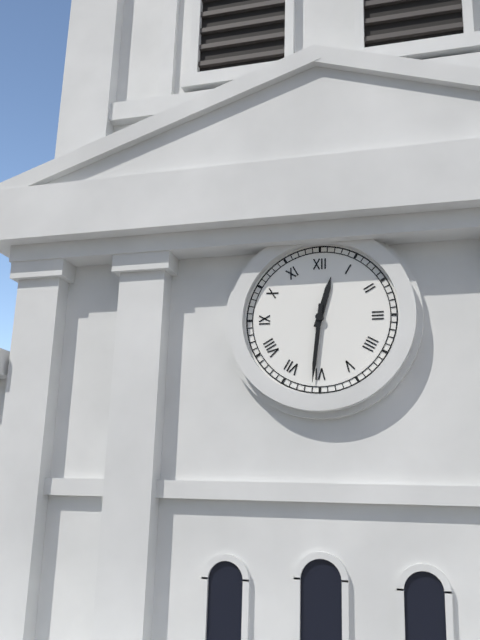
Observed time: 12:31
